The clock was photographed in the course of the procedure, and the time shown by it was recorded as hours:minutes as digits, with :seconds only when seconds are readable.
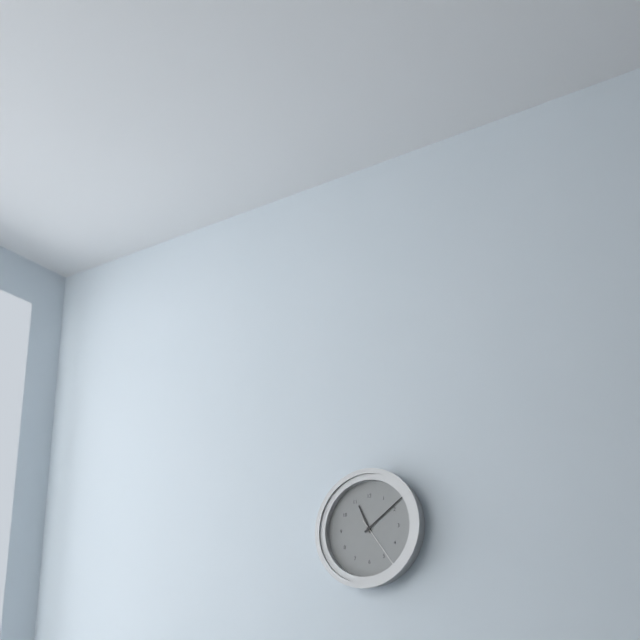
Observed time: 11:09:24
